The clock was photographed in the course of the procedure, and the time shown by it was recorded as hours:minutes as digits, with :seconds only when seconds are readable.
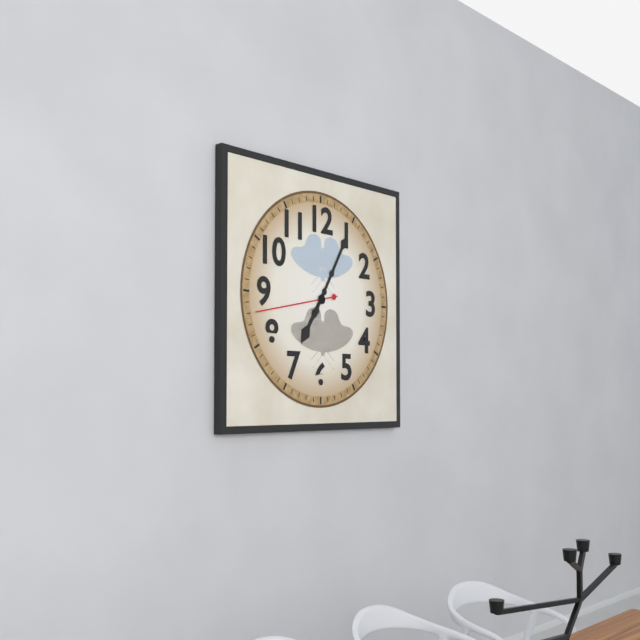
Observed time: 7:05:43
